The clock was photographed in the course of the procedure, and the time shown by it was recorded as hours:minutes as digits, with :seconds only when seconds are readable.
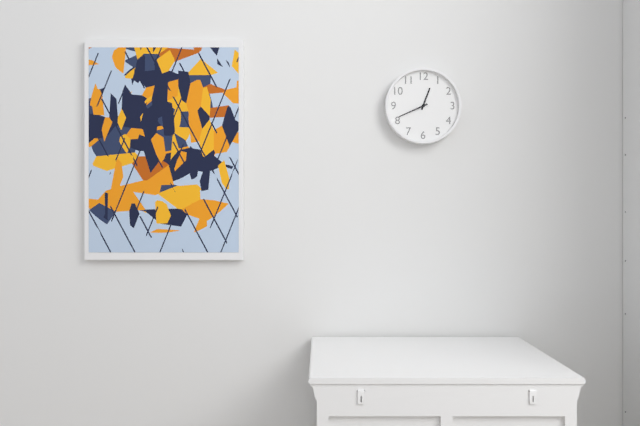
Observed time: 12:41
